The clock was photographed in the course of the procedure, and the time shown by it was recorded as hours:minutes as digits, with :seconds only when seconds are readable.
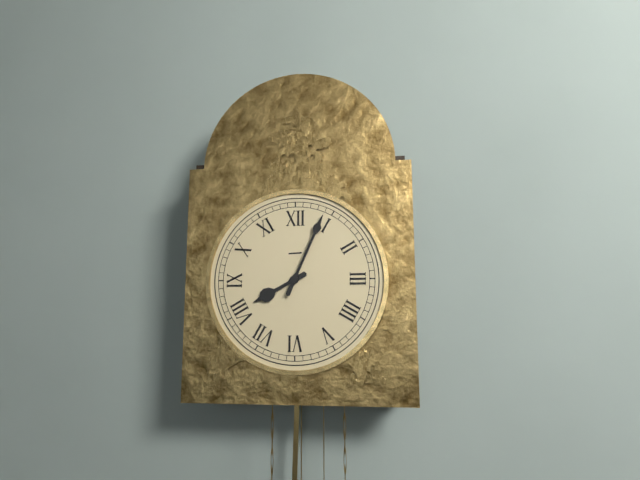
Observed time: 8:04
